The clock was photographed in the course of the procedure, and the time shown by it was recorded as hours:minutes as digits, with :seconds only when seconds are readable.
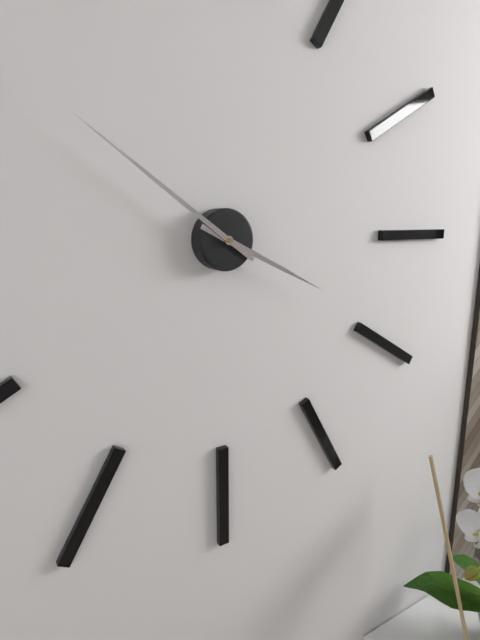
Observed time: 3:51
